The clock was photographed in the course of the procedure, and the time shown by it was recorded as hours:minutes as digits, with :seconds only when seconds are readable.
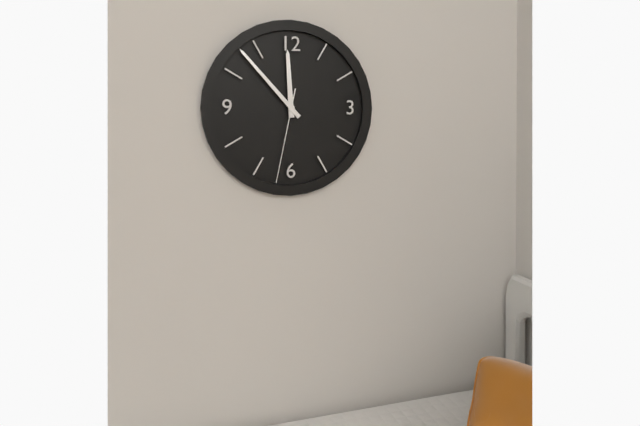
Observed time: 11:53:32
